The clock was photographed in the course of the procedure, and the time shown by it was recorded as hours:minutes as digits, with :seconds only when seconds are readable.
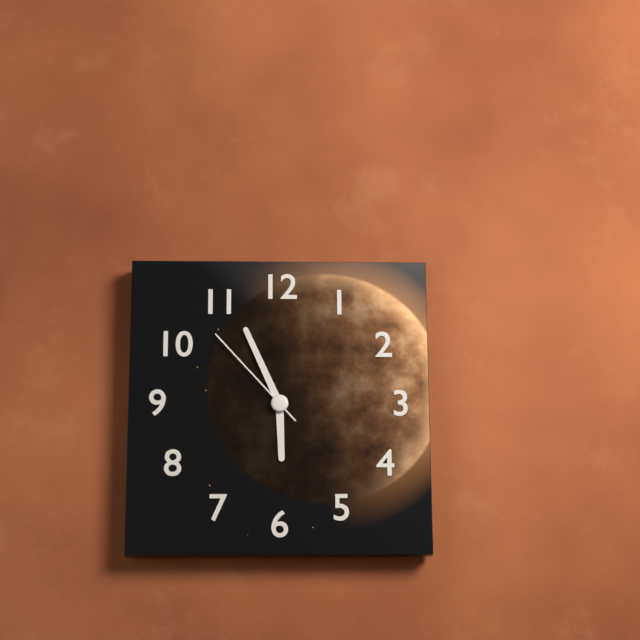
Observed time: 5:56:53
